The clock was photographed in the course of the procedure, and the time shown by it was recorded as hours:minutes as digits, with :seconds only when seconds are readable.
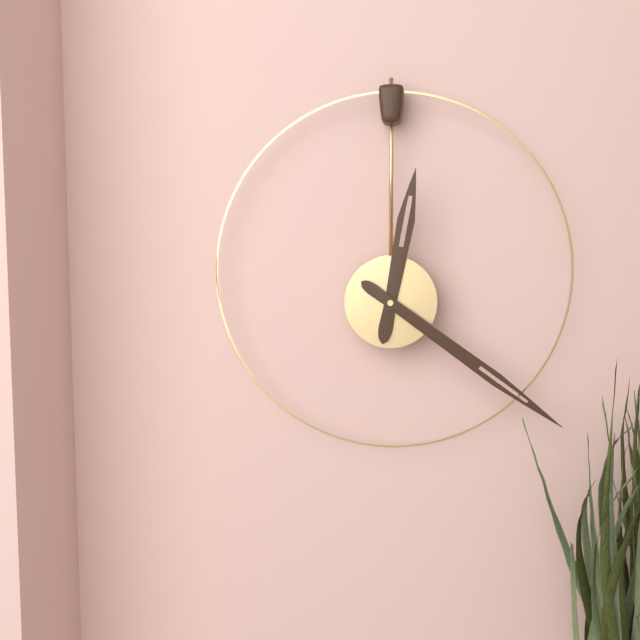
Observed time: 12:21
